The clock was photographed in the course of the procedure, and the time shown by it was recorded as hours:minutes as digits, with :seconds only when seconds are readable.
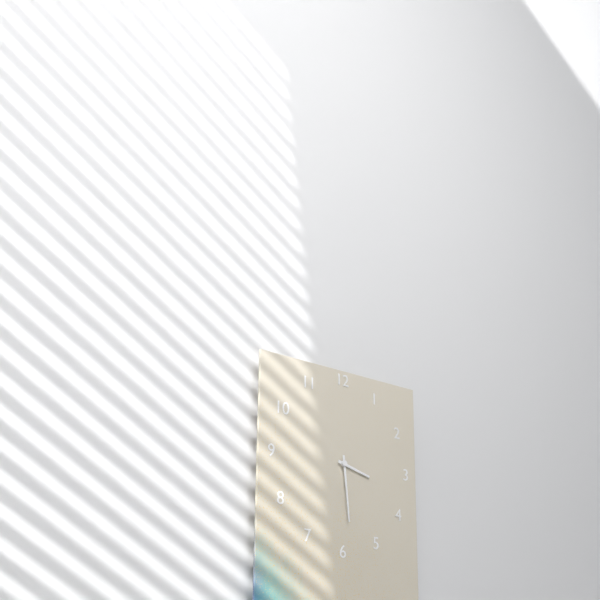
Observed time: 3:29
